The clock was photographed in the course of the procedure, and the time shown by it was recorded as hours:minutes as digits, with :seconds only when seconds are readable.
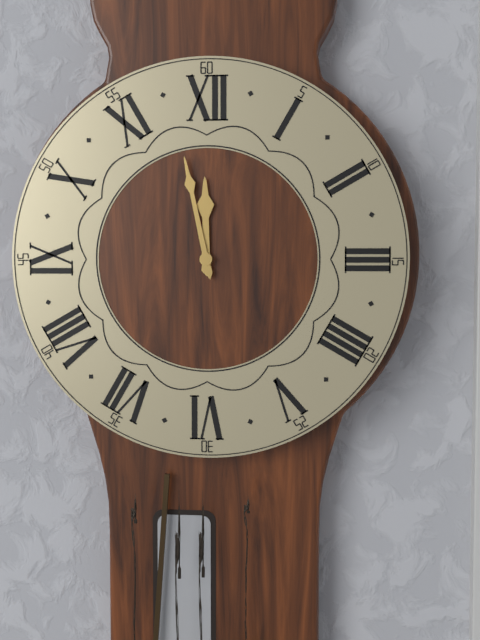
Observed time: 11:58
